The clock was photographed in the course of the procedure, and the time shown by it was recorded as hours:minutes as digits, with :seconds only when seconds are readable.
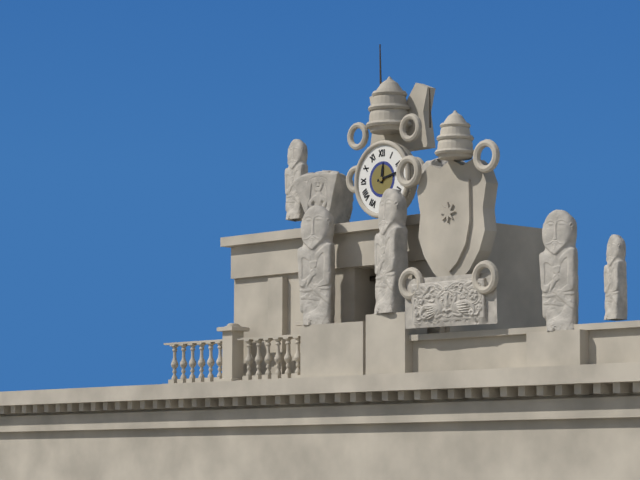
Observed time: 12:13
